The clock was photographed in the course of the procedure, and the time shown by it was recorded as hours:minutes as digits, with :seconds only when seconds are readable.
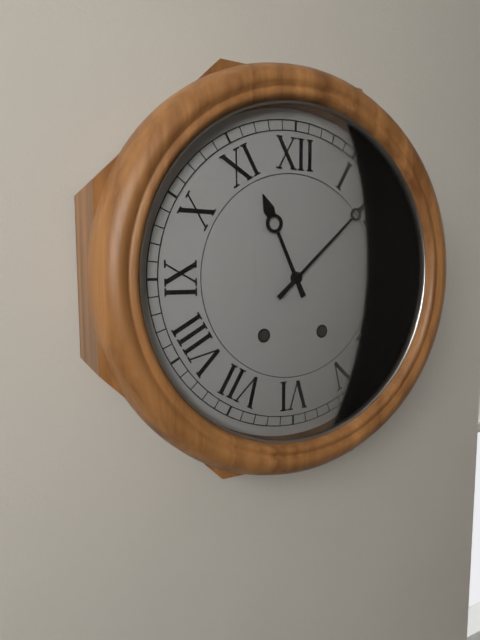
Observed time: 11:08
